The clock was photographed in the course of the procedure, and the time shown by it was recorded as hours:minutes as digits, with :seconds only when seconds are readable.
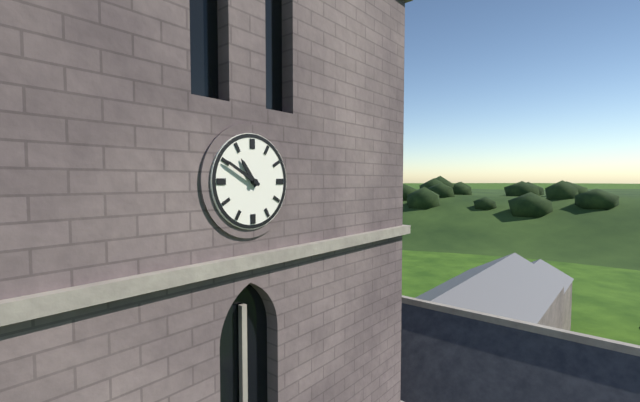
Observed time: 10:50
